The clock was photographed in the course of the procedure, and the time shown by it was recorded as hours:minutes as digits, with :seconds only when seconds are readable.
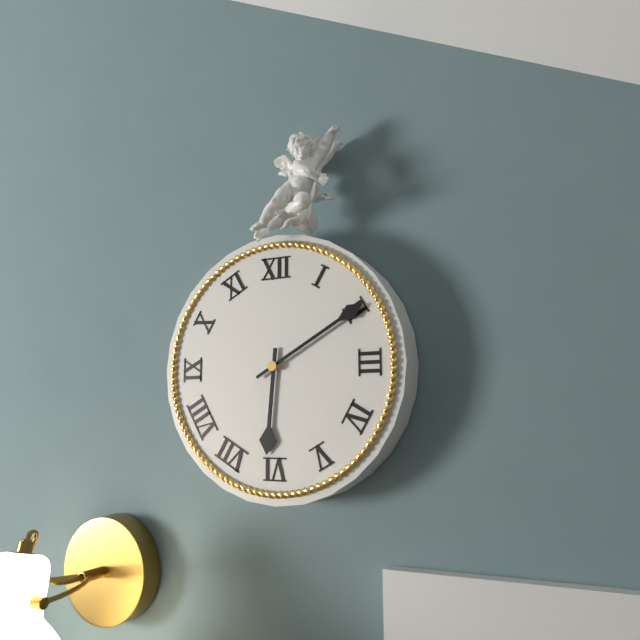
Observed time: 6:10
